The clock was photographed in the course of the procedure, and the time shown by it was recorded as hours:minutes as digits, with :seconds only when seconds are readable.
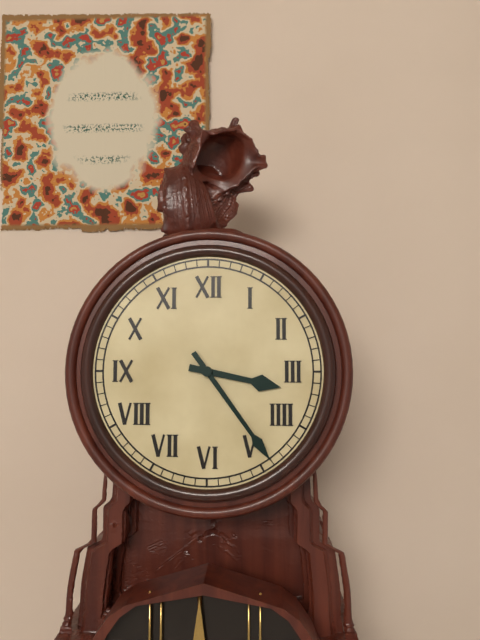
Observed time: 3:24
